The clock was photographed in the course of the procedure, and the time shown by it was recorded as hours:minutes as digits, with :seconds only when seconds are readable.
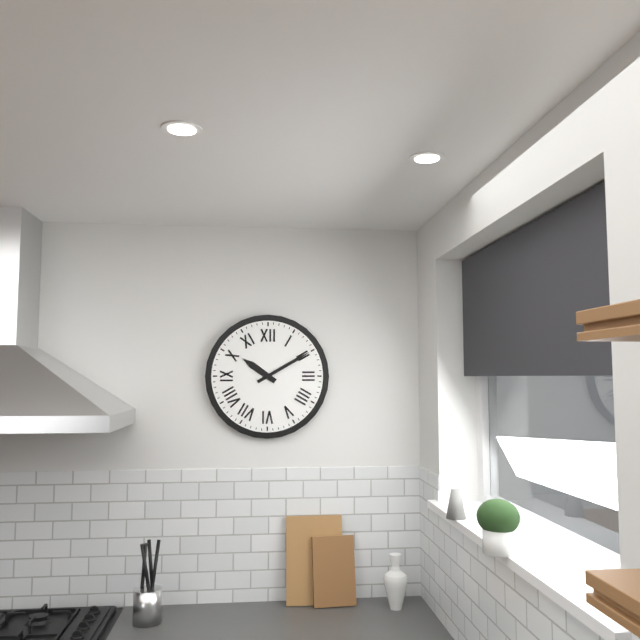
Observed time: 10:10
